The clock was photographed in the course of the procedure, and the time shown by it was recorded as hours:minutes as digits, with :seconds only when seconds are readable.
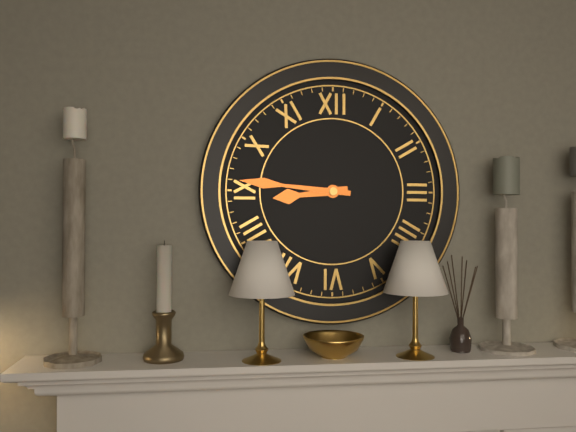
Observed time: 8:46
